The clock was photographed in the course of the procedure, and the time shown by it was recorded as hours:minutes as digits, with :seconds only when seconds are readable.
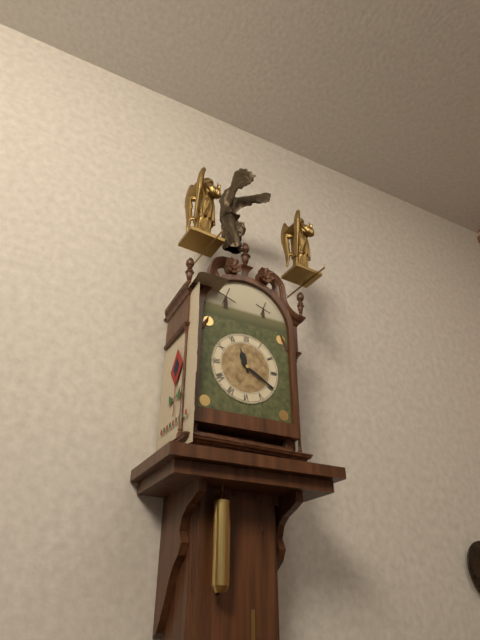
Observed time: 11:20
